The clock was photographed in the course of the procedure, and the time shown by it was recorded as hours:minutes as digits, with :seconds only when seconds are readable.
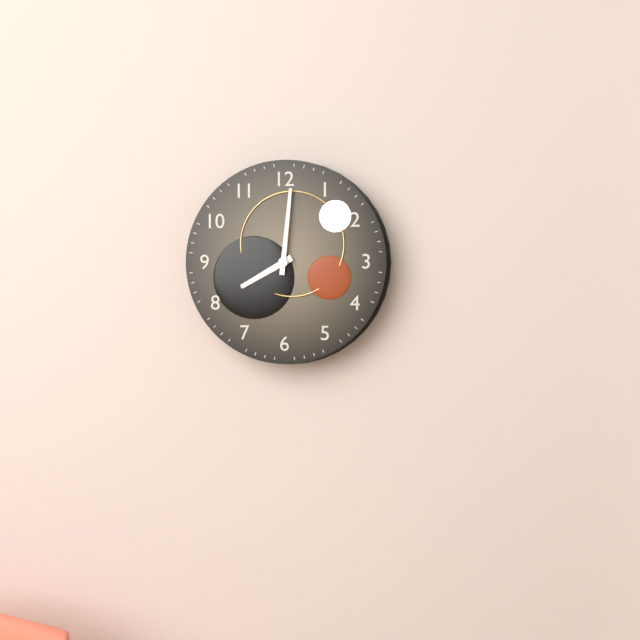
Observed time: 8:01
